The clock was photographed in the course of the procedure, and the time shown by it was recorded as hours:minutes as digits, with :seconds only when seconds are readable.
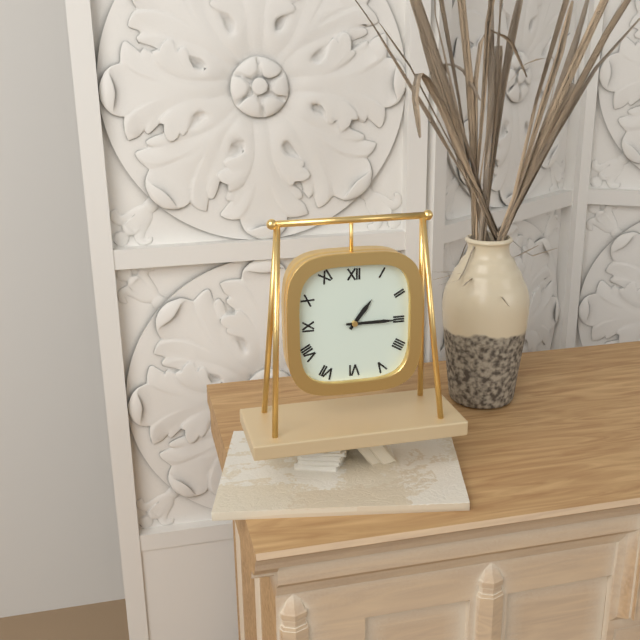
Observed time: 1:15
